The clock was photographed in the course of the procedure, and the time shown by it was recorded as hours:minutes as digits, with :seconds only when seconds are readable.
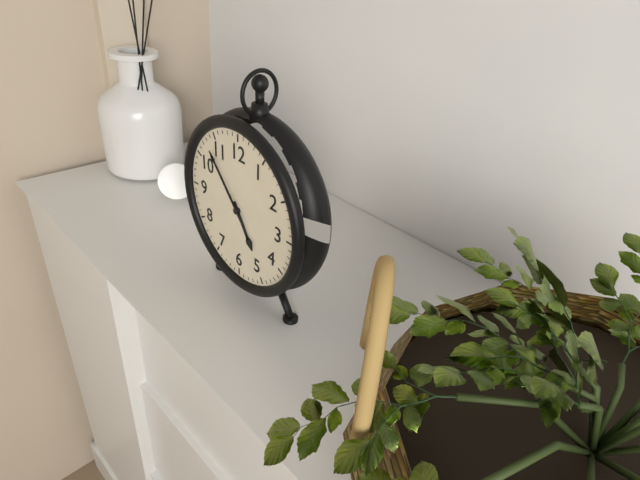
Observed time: 4:53
